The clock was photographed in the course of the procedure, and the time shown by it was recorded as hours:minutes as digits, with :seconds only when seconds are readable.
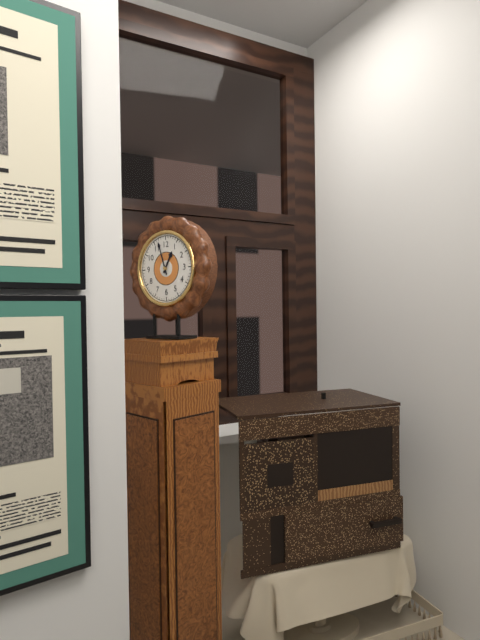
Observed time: 12:57
